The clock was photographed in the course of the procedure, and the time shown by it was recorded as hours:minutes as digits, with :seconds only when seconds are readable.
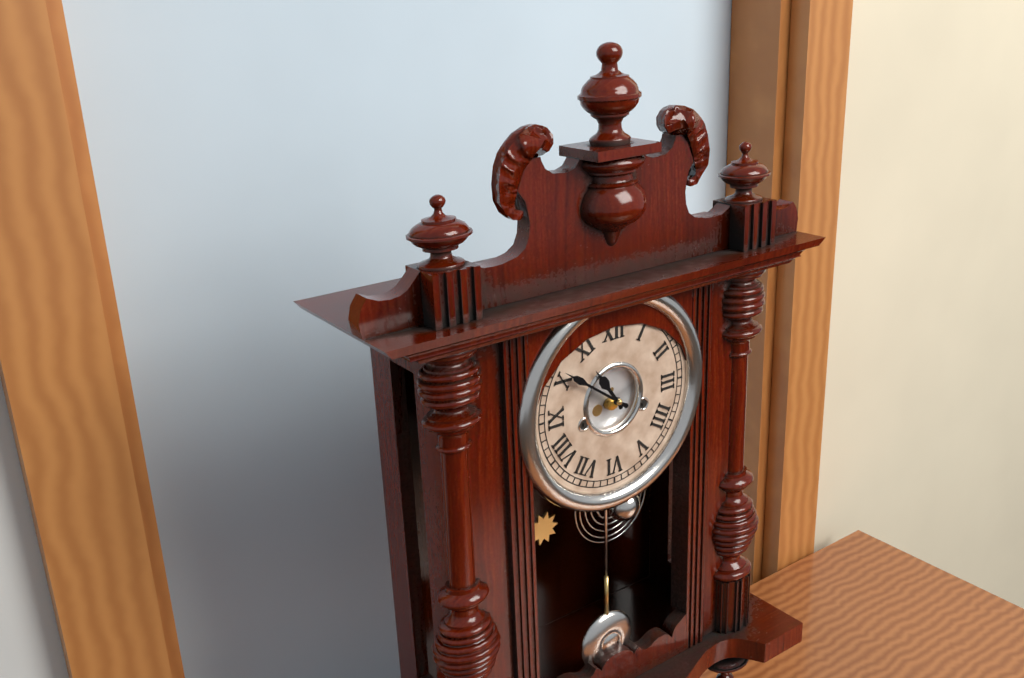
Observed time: 10:51
